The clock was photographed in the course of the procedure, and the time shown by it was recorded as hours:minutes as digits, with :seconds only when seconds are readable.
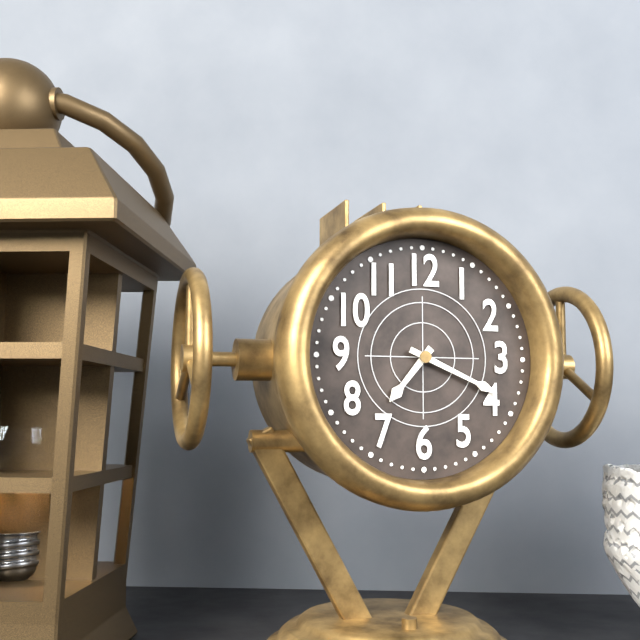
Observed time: 7:19
